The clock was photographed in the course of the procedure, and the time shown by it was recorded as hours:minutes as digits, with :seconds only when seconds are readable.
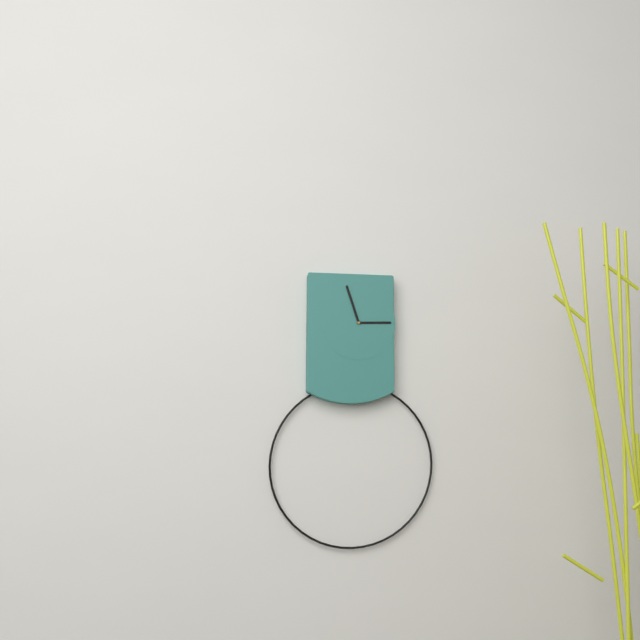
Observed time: 2:57
